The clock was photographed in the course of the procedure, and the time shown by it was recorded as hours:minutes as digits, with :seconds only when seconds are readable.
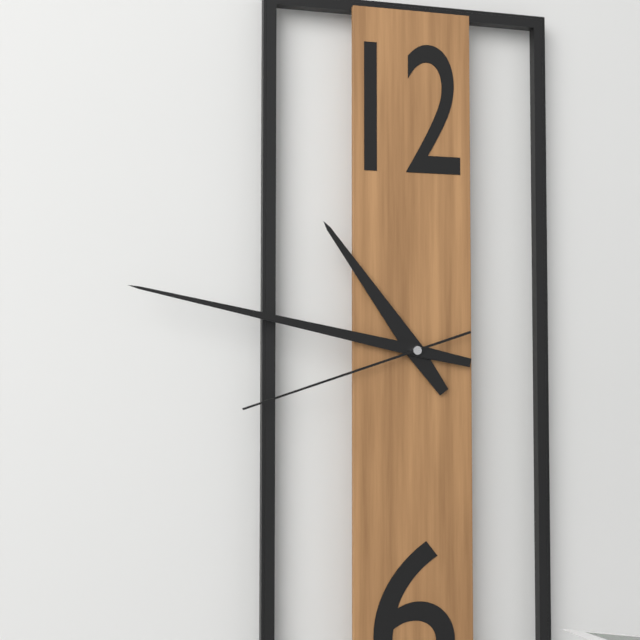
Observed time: 10:47:42
